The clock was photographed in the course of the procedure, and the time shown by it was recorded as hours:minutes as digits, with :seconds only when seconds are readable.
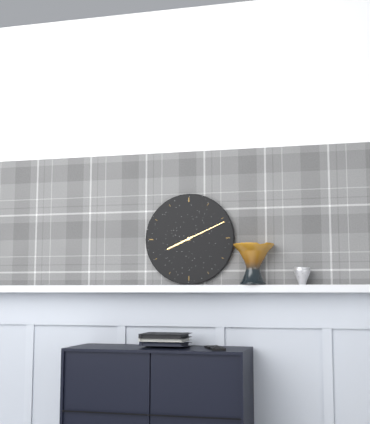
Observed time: 8:11
